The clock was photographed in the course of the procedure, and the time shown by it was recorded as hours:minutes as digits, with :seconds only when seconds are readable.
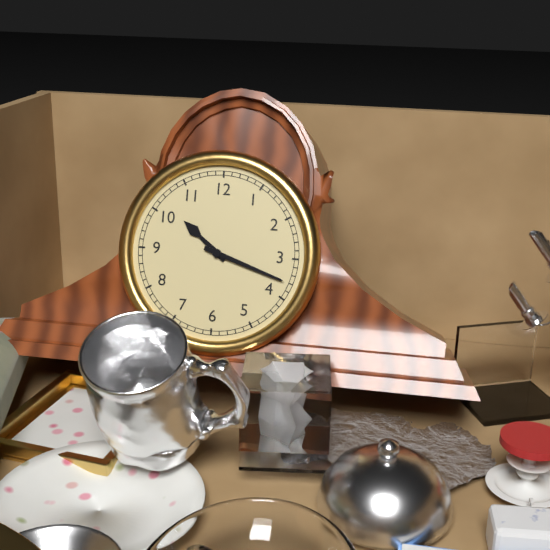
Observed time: 10:18
